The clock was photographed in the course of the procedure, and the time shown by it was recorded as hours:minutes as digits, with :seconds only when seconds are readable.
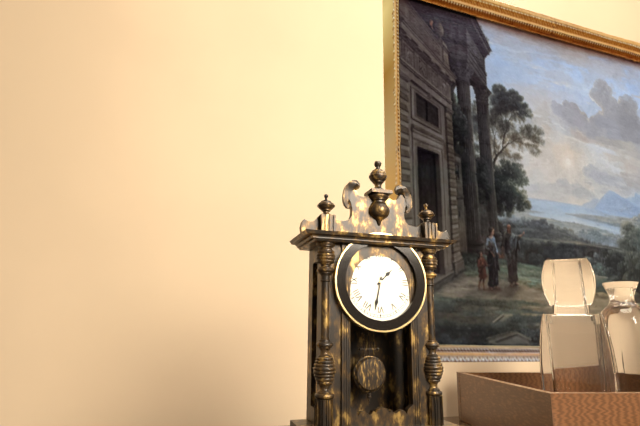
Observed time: 1:32
